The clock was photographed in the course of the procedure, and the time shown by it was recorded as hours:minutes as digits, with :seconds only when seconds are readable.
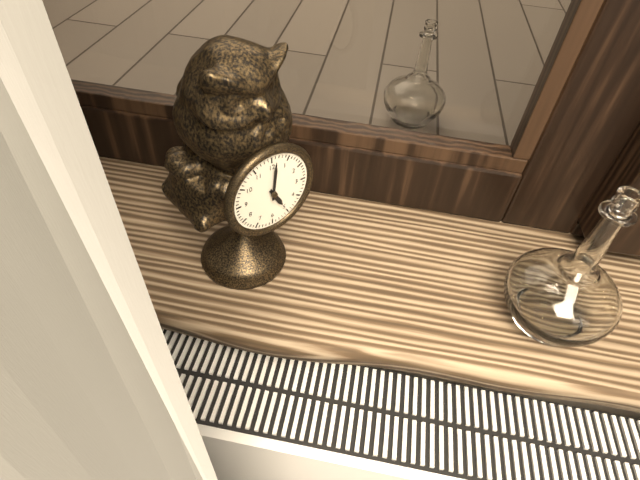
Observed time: 5:01
